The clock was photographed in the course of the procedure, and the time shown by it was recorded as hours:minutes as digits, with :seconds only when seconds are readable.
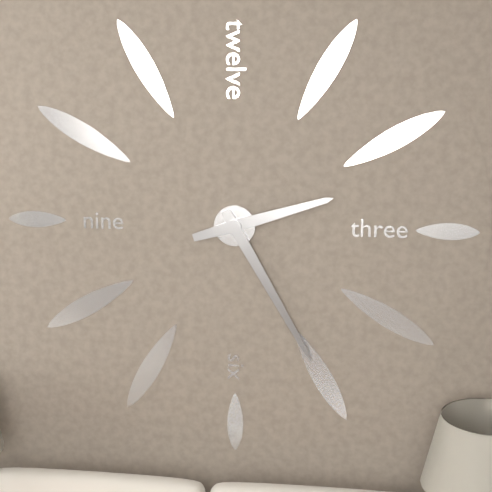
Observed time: 2:25
